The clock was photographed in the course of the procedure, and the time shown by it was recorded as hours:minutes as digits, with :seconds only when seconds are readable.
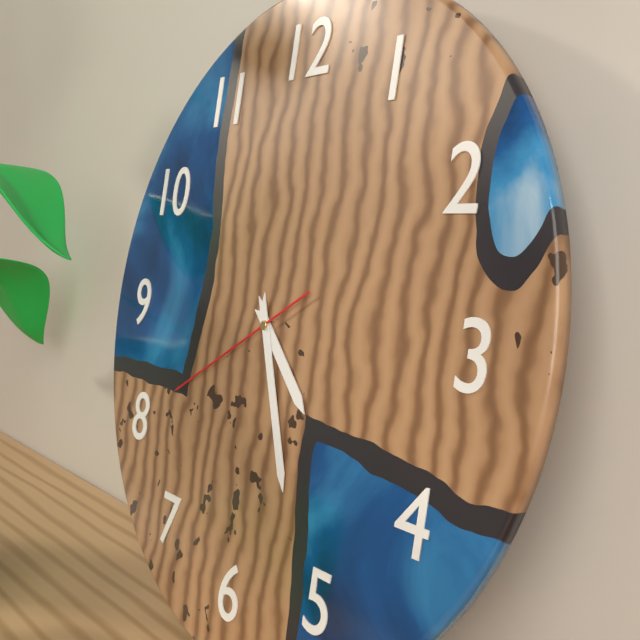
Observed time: 4:26:40
